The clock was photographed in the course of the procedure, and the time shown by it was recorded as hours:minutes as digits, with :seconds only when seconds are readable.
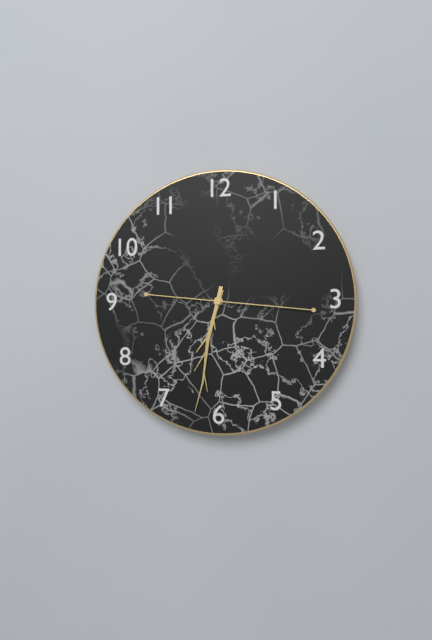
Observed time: 6:32:16
